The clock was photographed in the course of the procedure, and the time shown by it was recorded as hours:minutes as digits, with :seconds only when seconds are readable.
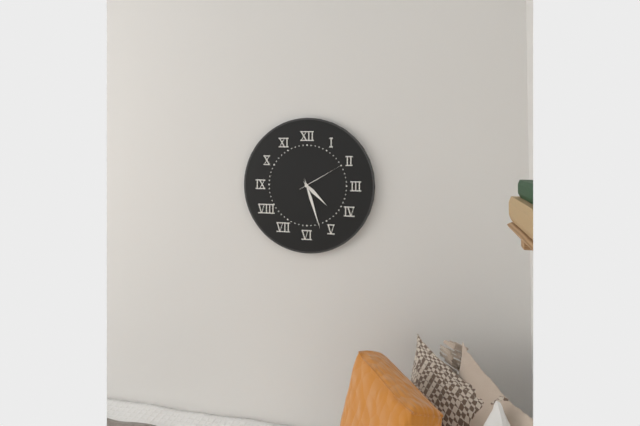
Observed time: 4:27:10
